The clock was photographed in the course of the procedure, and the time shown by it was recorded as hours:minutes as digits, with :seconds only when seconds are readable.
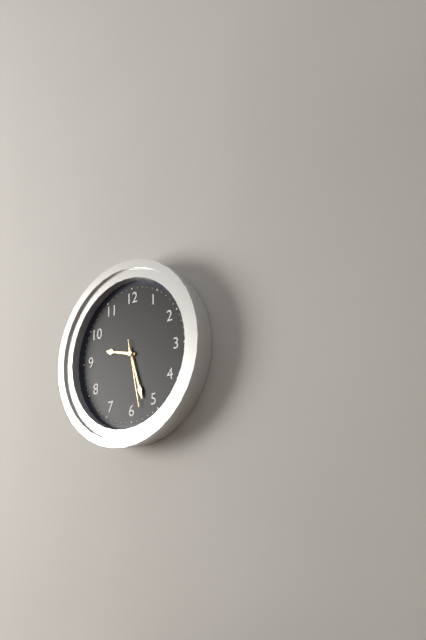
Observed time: 9:27:28
